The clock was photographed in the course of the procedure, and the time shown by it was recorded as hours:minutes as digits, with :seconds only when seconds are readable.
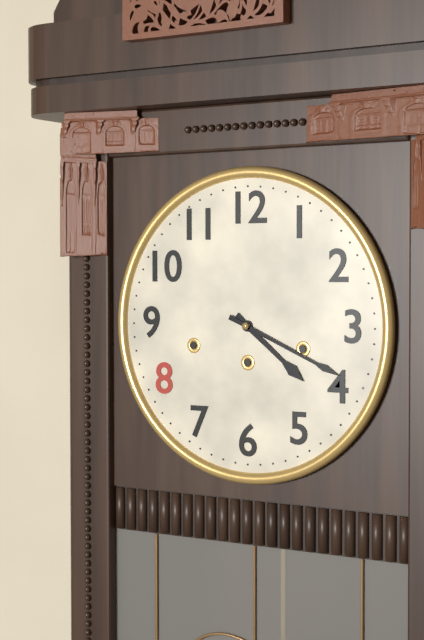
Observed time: 4:19
